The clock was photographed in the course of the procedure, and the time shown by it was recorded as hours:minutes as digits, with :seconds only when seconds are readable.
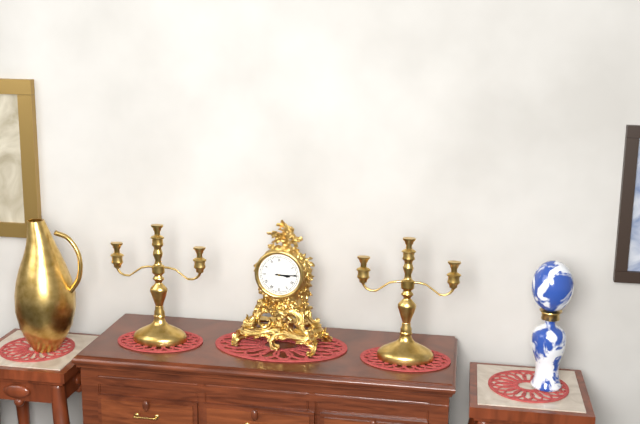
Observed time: 3:15
